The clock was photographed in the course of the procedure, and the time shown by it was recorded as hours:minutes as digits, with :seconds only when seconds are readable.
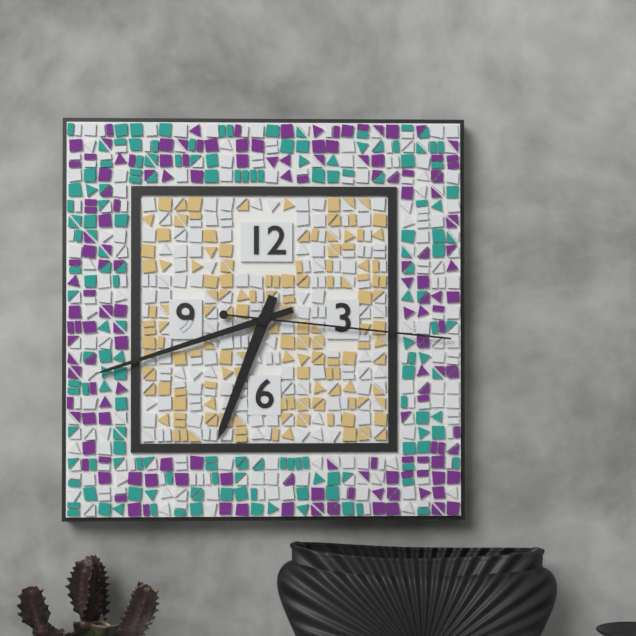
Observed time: 6:42:16
